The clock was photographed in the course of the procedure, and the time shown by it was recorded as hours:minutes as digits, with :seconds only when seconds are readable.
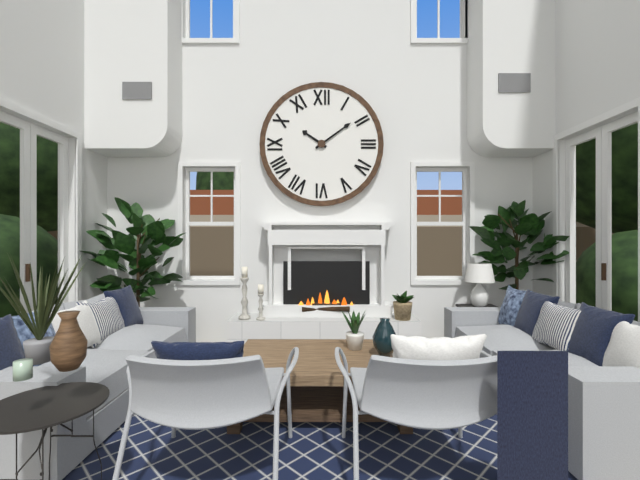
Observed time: 10:09
